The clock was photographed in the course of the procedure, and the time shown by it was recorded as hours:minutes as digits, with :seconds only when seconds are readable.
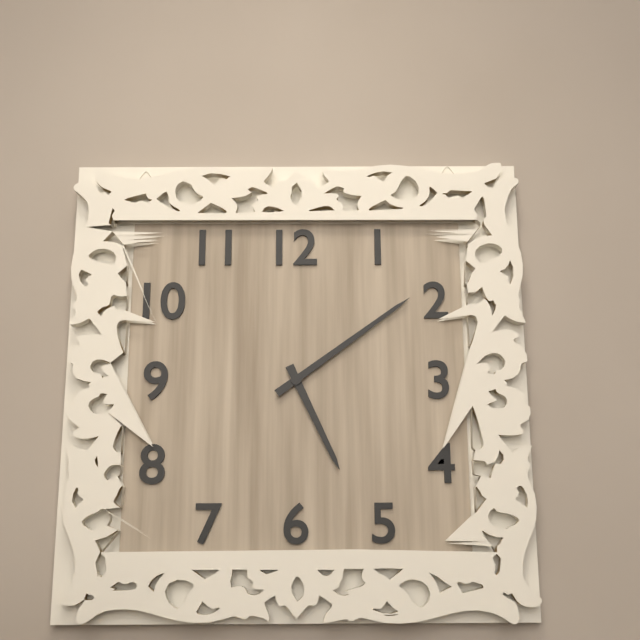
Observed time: 5:09
